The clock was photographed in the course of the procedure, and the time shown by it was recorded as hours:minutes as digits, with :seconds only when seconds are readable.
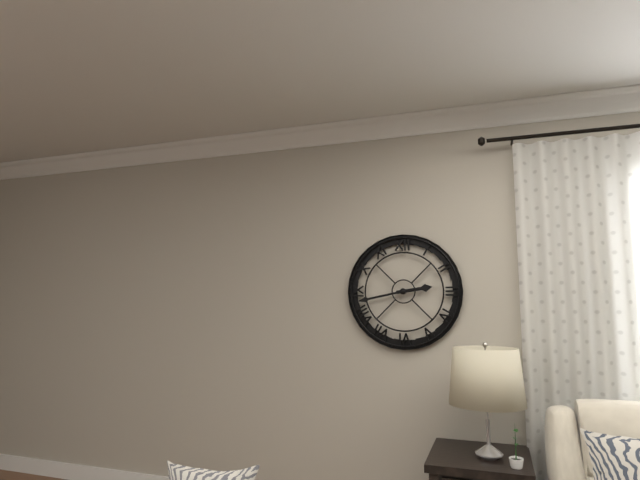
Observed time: 2:43
